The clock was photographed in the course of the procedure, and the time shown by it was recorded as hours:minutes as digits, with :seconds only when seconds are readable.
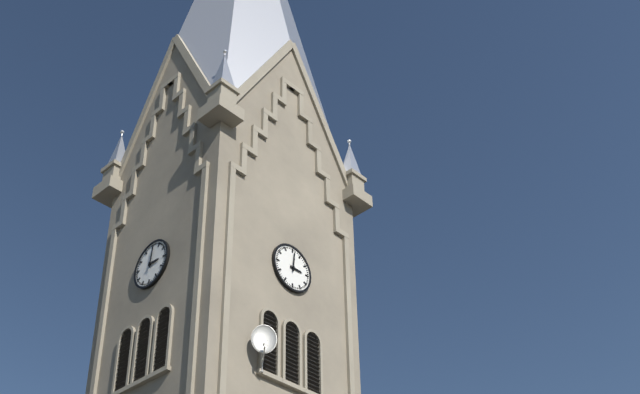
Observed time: 3:01
